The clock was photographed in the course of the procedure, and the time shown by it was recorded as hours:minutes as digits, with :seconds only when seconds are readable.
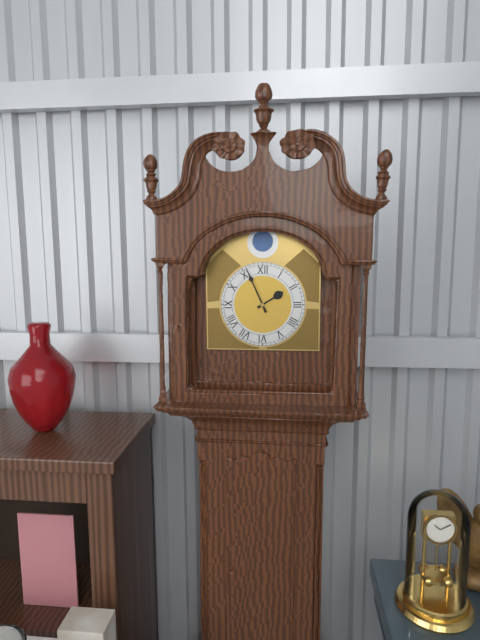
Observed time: 1:56
